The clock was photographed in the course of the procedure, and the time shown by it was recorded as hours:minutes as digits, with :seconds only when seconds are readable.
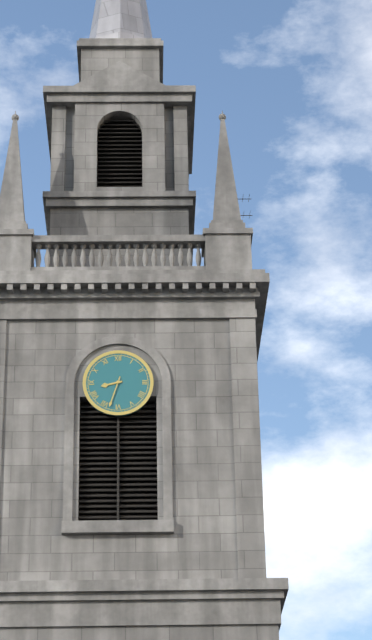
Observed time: 8:33
